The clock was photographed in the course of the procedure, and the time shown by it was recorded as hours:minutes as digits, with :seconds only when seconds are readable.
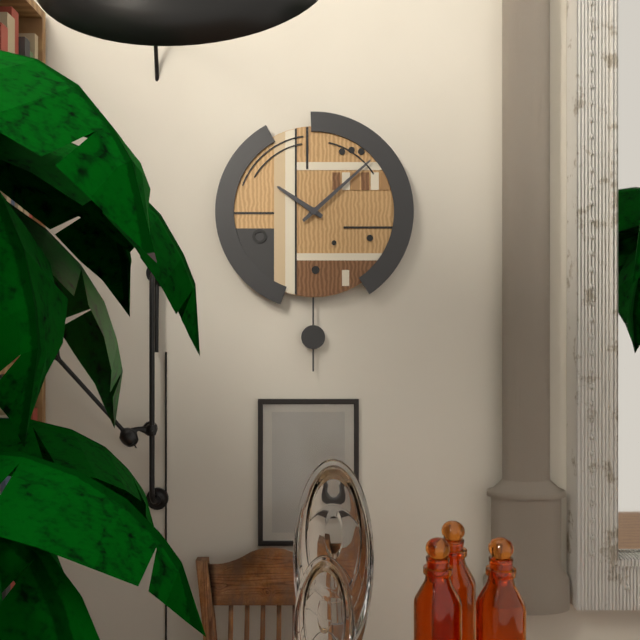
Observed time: 10:08
